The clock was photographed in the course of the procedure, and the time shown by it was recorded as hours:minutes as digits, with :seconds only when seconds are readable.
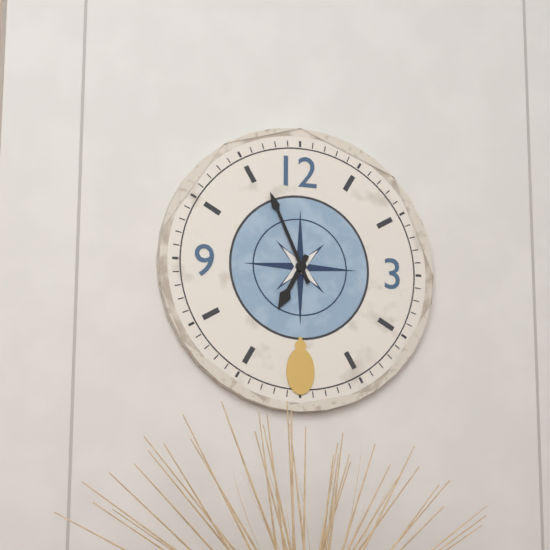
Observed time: 6:56
